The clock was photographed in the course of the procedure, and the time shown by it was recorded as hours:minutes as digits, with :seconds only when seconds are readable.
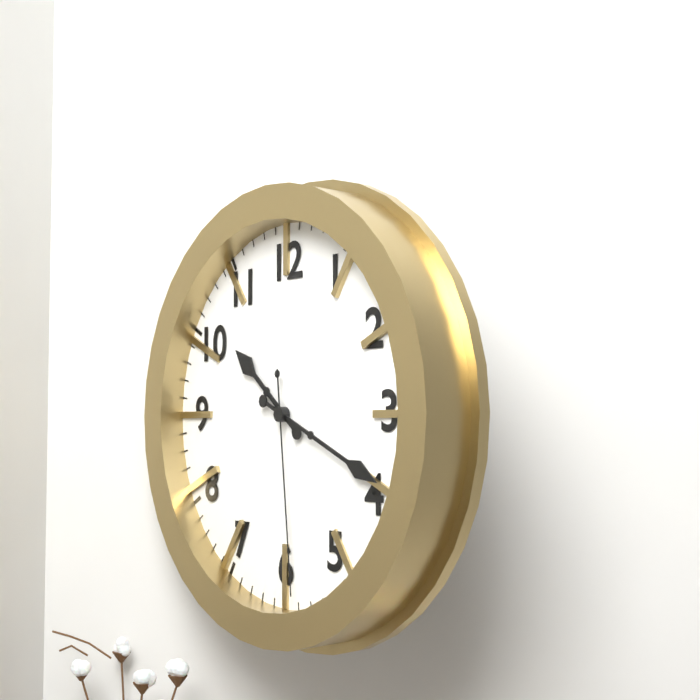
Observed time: 10:19:29
